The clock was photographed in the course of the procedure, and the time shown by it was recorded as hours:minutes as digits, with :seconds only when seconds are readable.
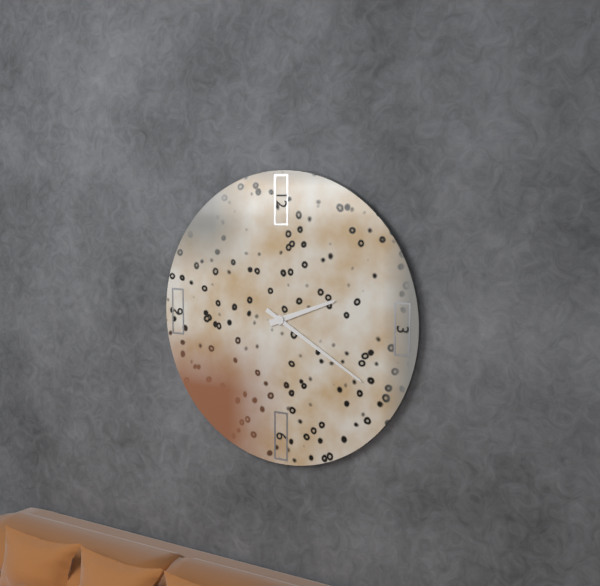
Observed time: 2:20
